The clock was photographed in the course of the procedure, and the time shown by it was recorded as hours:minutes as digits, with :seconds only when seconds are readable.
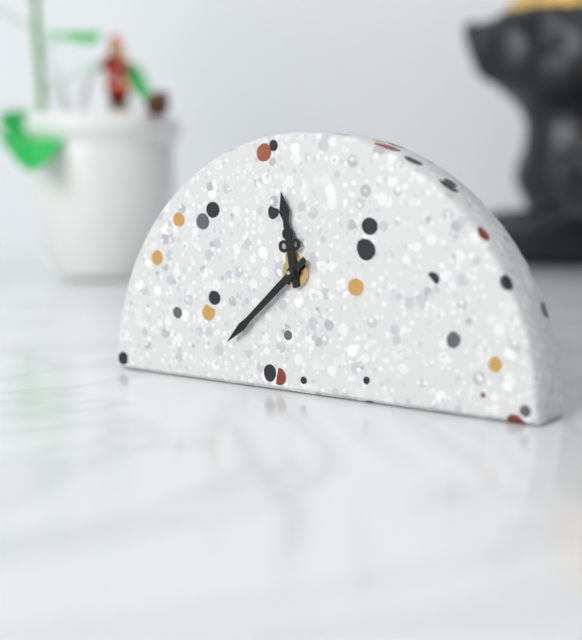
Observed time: 11:38
